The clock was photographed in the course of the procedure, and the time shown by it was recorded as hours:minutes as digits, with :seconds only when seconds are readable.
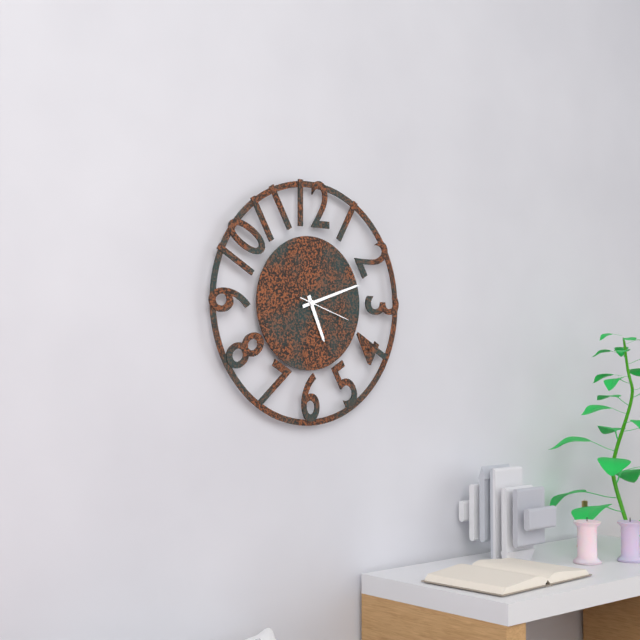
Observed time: 5:12:18
